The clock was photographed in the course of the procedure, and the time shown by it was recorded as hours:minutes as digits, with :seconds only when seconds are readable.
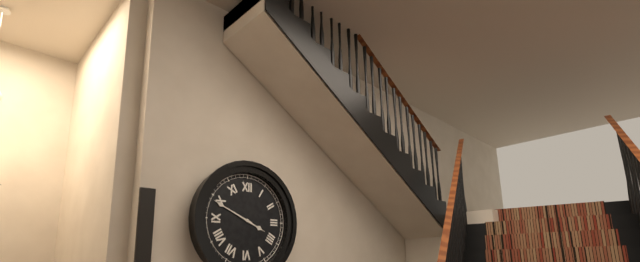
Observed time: 3:49
